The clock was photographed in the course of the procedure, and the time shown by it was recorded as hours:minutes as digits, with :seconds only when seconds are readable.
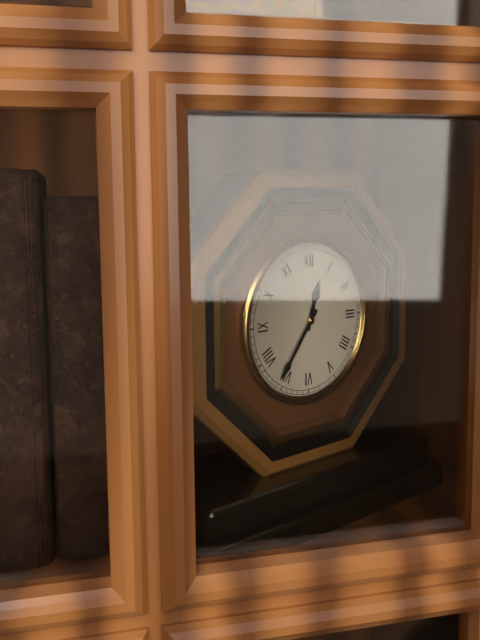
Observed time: 12:36
